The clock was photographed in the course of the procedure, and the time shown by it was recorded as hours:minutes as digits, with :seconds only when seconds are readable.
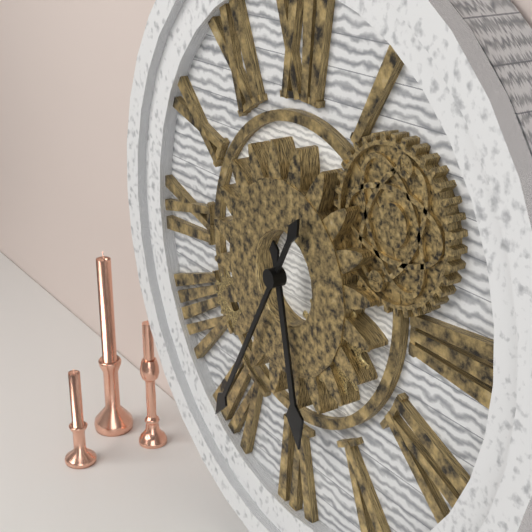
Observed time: 5:35
